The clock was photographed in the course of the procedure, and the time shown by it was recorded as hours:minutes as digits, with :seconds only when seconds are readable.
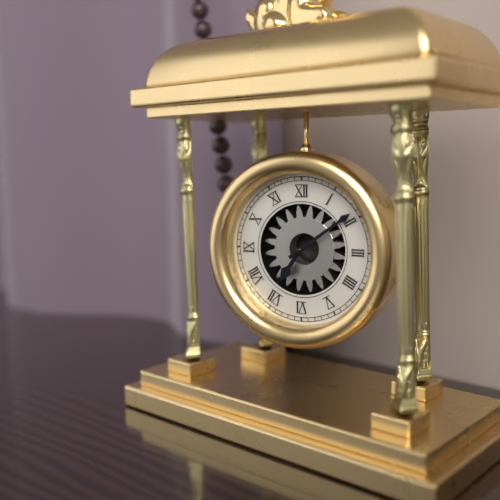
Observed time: 7:09
